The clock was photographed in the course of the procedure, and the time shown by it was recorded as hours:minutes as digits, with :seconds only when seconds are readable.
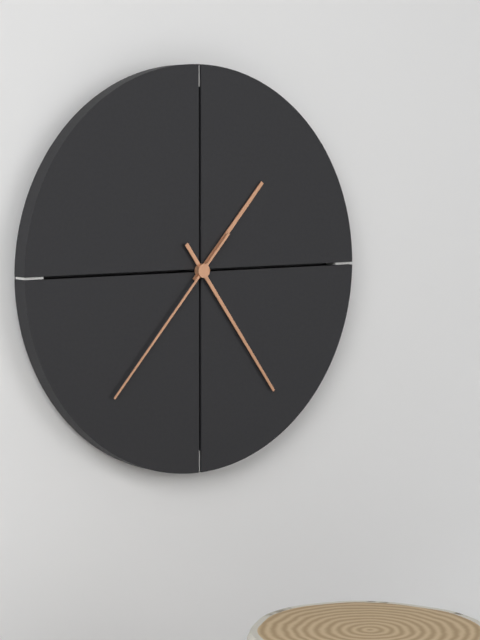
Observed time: 1:24:37
